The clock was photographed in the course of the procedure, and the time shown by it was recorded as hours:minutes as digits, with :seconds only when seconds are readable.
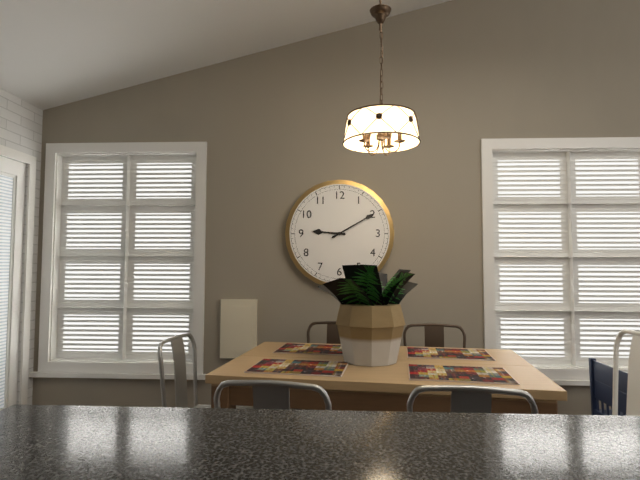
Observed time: 9:10
